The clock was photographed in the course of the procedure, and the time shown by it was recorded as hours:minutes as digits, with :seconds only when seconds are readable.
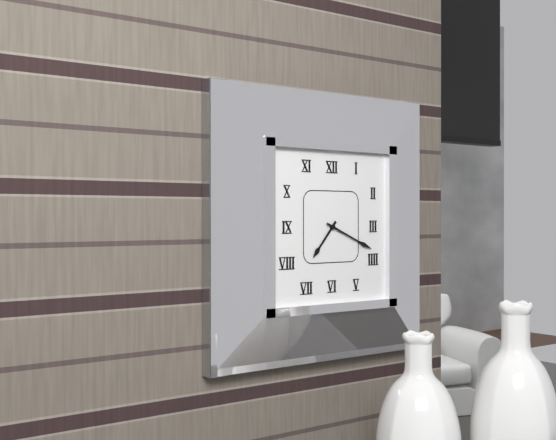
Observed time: 7:19
